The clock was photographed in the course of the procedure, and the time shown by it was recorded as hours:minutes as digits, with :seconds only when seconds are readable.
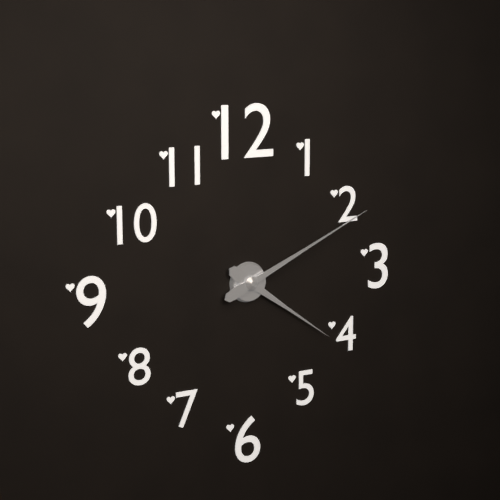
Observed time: 4:11
